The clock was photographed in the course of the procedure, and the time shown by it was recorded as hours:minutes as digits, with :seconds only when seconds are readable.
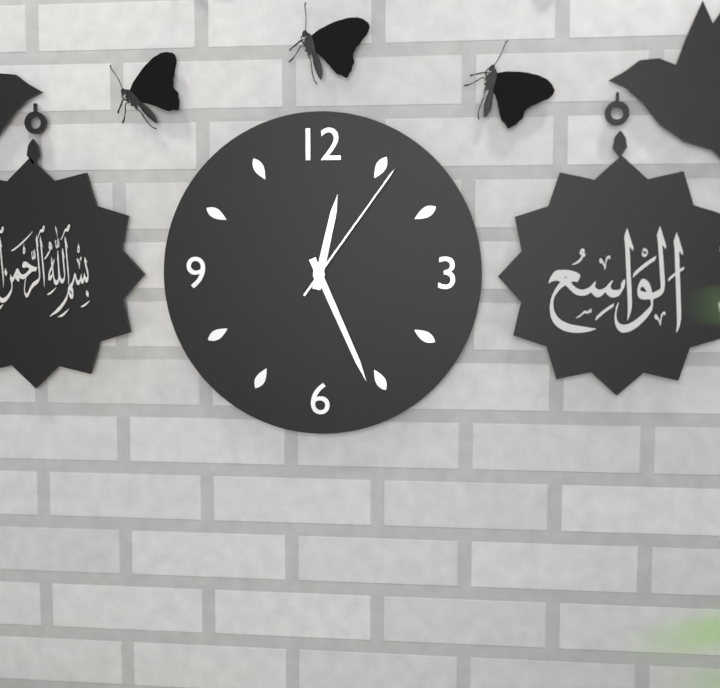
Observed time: 12:26:06
